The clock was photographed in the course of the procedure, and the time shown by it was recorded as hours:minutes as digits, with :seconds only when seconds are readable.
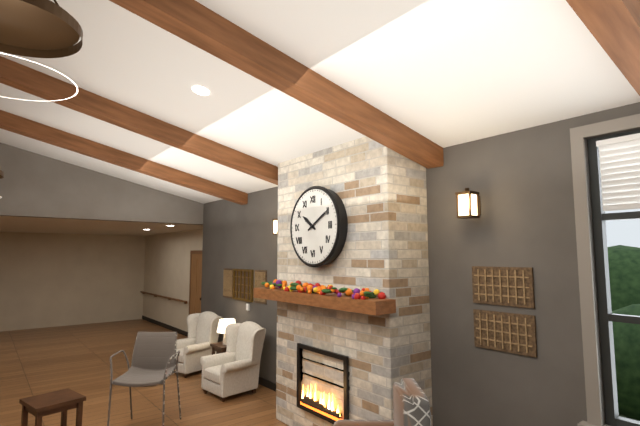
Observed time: 10:10
